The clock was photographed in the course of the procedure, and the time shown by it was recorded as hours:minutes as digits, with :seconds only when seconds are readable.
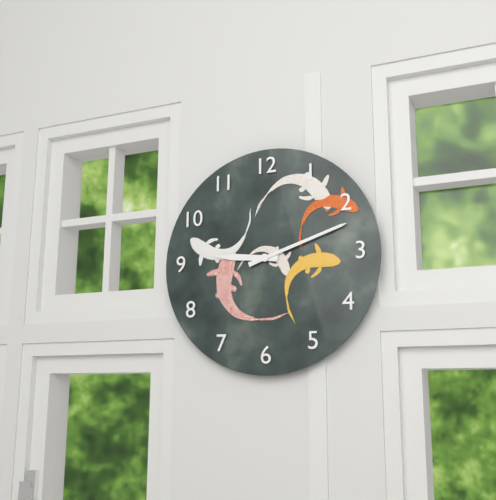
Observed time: 9:12
